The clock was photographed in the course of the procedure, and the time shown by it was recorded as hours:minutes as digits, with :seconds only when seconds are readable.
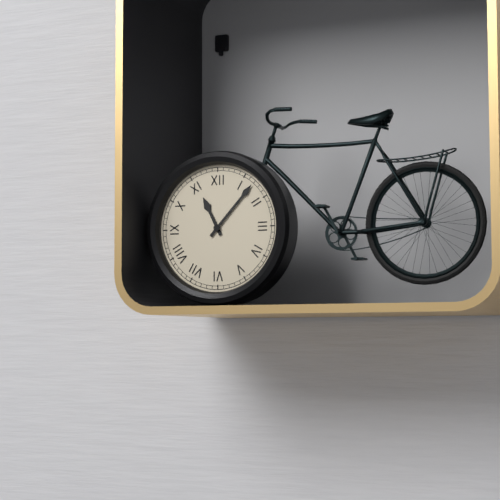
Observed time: 11:07
